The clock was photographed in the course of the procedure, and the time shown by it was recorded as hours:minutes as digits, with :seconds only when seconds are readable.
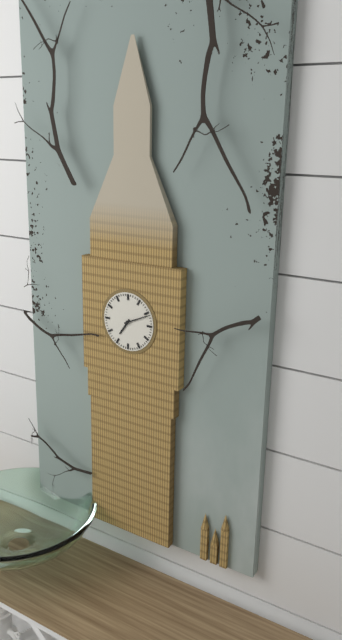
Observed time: 7:11
